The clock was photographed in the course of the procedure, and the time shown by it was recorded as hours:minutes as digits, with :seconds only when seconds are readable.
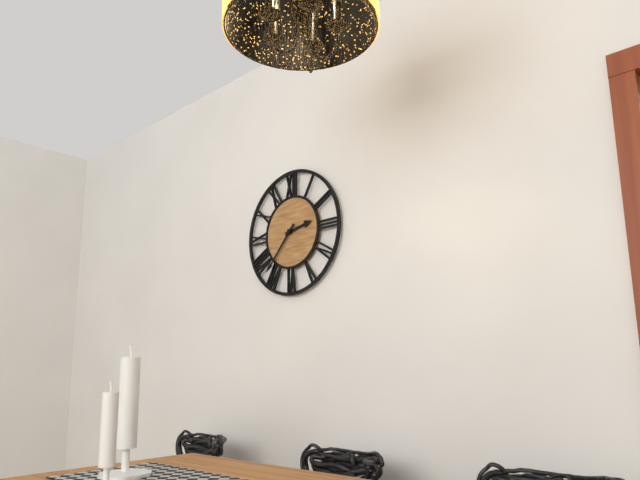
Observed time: 2:37
